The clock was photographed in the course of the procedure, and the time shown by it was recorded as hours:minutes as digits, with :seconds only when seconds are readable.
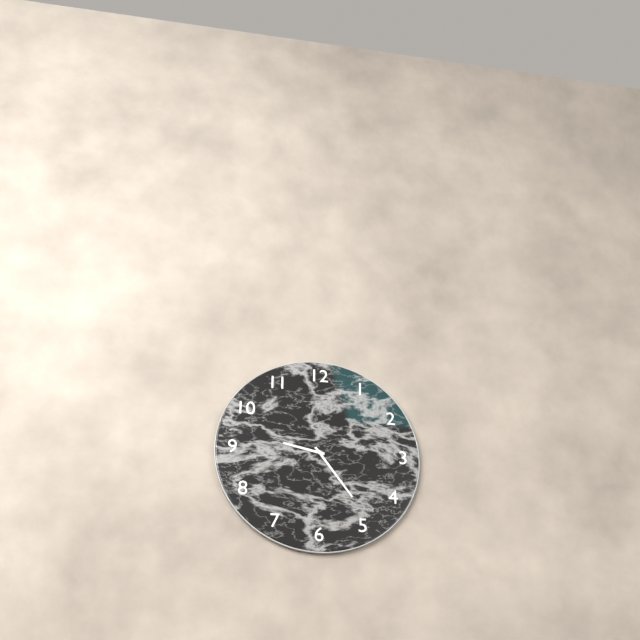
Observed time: 9:24
